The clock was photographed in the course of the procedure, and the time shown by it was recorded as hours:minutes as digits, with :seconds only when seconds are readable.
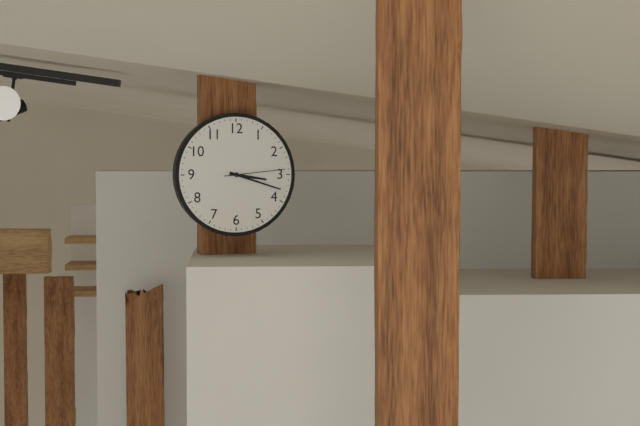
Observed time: 3:18:14
